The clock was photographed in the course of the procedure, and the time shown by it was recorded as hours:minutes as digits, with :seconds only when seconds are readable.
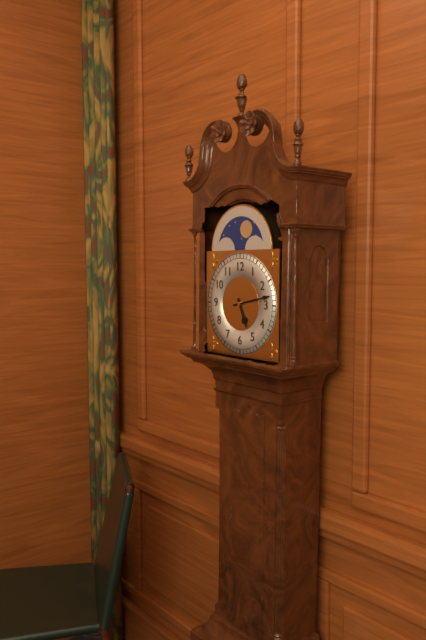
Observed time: 5:13
